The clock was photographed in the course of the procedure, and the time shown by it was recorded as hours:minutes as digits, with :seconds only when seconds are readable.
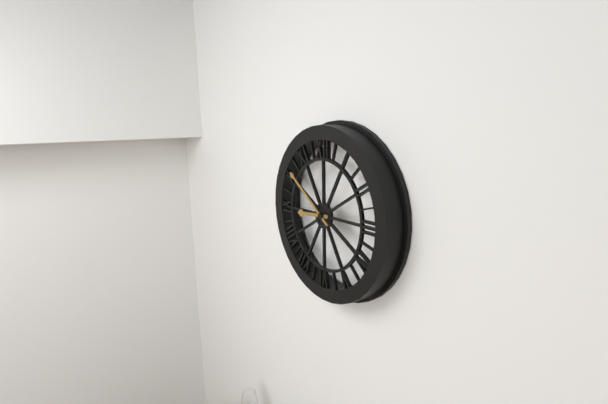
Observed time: 8:51
